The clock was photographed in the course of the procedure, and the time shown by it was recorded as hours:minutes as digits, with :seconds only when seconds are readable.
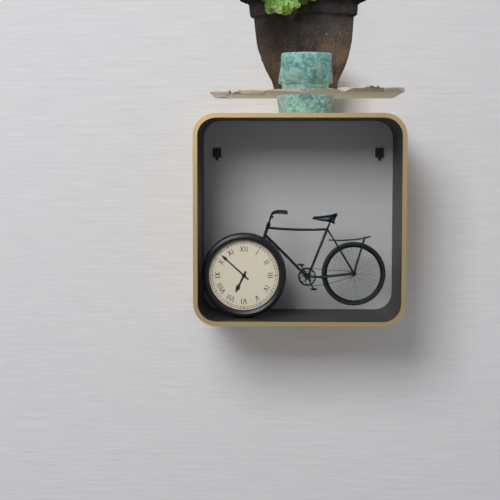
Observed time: 6:52
